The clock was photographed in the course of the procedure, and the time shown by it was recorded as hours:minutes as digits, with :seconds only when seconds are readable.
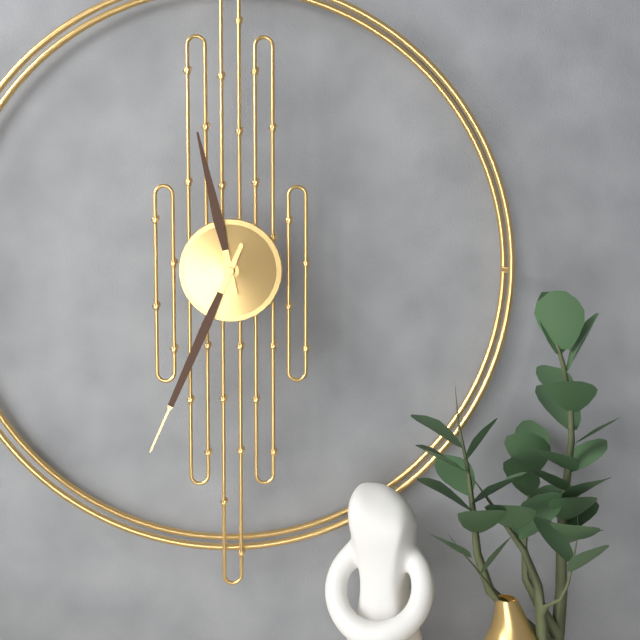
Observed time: 11:34
